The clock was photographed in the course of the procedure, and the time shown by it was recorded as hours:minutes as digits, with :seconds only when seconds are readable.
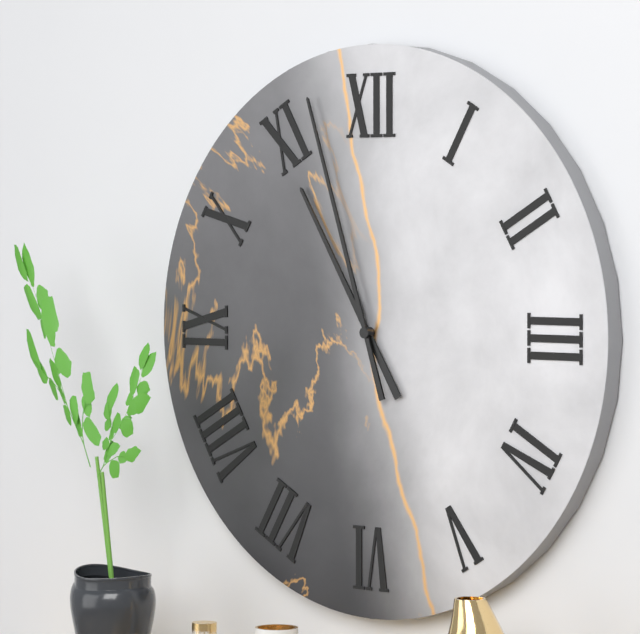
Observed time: 10:57
